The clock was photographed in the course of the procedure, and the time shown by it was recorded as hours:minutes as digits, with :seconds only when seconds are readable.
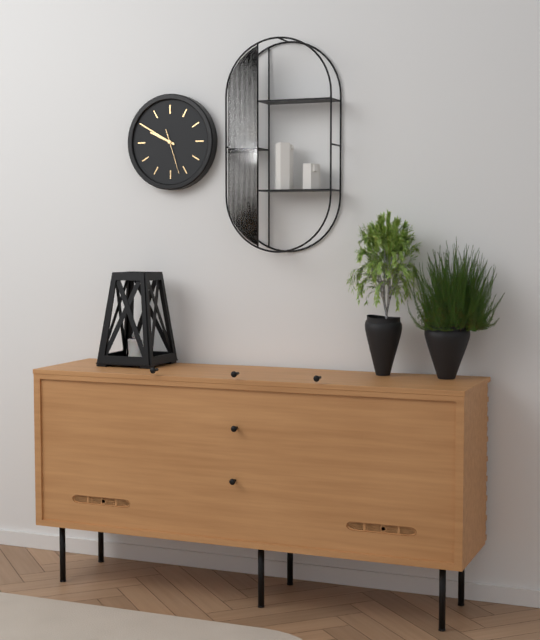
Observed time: 9:50
